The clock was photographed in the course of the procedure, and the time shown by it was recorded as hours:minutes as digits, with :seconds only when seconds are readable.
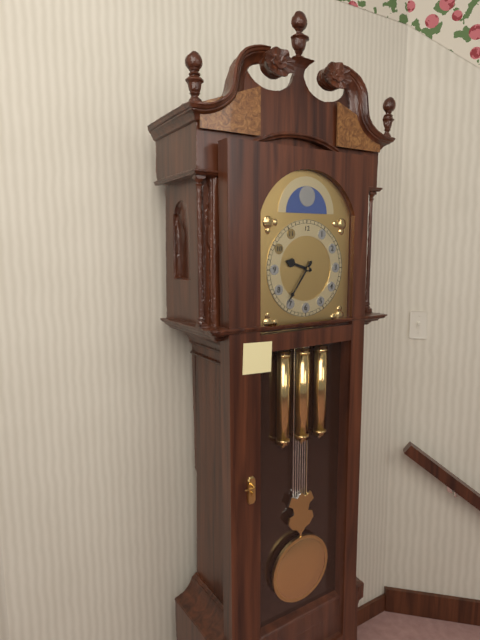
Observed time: 9:36
